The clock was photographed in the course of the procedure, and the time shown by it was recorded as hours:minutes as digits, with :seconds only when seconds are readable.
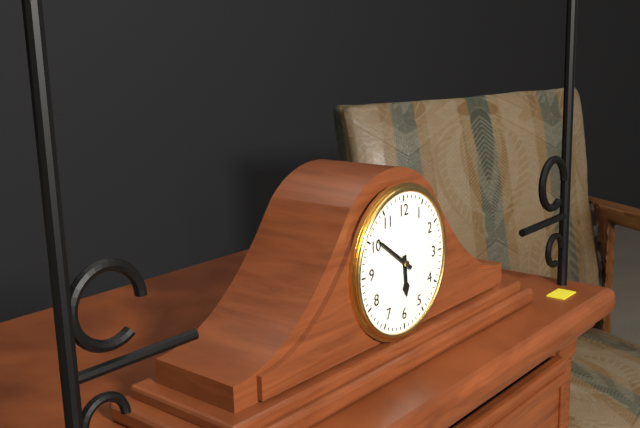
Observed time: 5:51
